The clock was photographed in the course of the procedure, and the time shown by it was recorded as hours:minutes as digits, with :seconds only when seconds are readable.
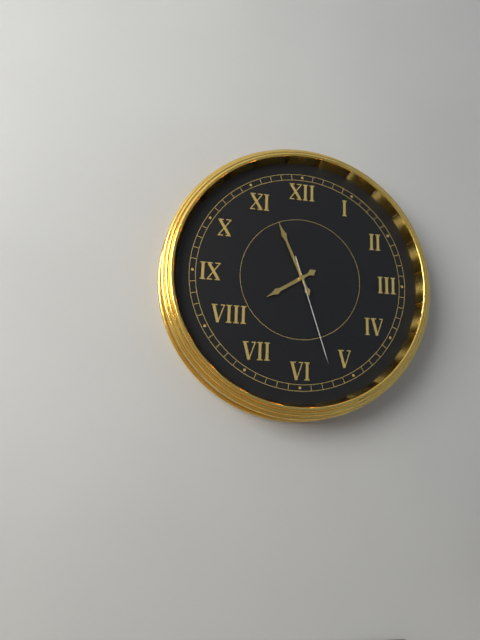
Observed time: 7:56:27
